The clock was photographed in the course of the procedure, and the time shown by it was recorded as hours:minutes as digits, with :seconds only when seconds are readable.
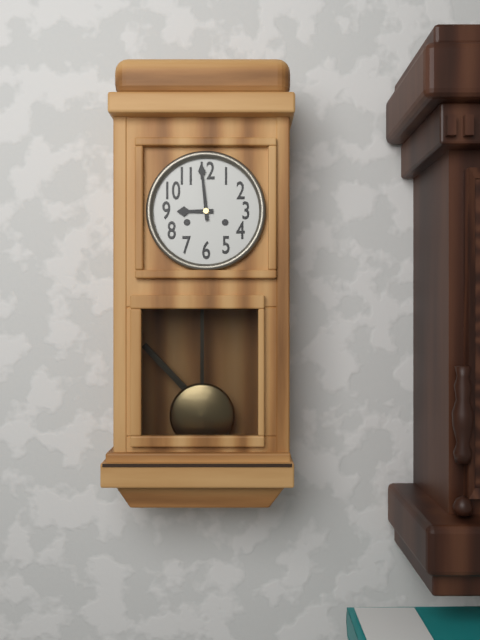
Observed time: 8:59
